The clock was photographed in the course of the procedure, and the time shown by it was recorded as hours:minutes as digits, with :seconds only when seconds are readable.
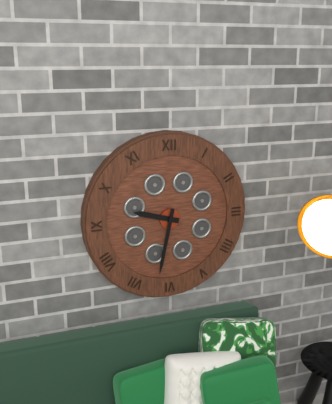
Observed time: 9:32
